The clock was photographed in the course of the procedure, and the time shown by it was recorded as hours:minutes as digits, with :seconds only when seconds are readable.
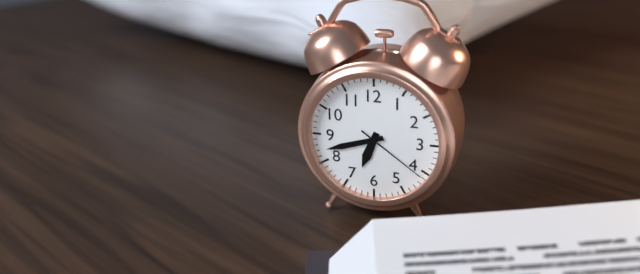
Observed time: 6:42:21
